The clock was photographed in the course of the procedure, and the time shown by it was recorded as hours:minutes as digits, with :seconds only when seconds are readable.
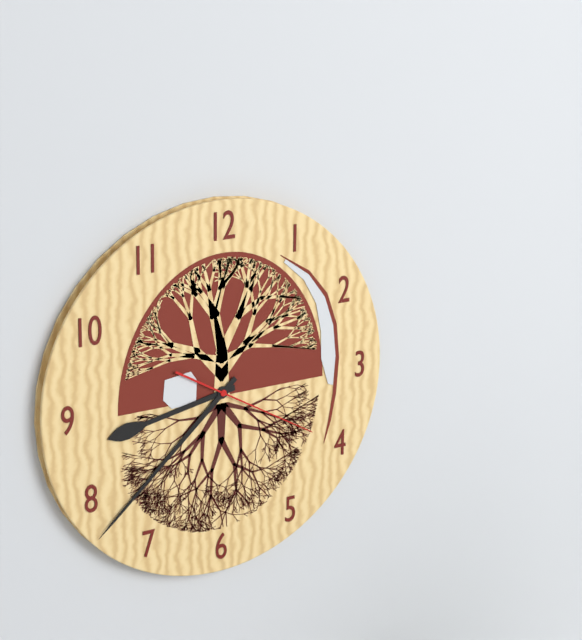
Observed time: 8:38:20
